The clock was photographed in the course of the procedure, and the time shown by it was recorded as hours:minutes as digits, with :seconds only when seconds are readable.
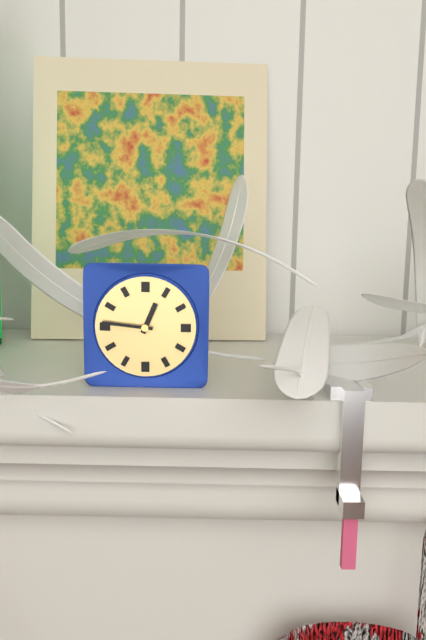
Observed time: 12:46
